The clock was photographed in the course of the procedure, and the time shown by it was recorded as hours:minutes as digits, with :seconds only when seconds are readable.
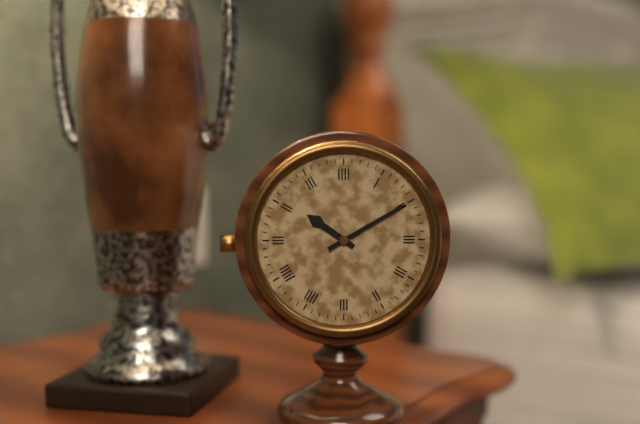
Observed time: 10:10
